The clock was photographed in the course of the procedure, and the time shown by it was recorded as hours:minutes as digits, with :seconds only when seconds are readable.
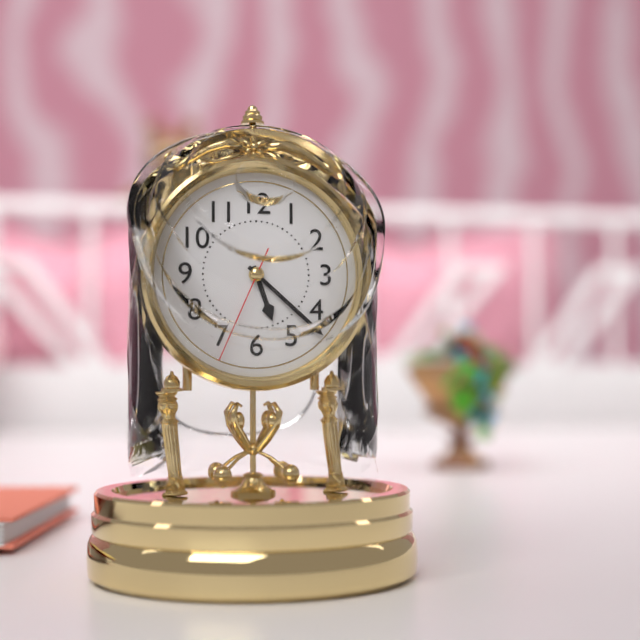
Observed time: 5:22:34
